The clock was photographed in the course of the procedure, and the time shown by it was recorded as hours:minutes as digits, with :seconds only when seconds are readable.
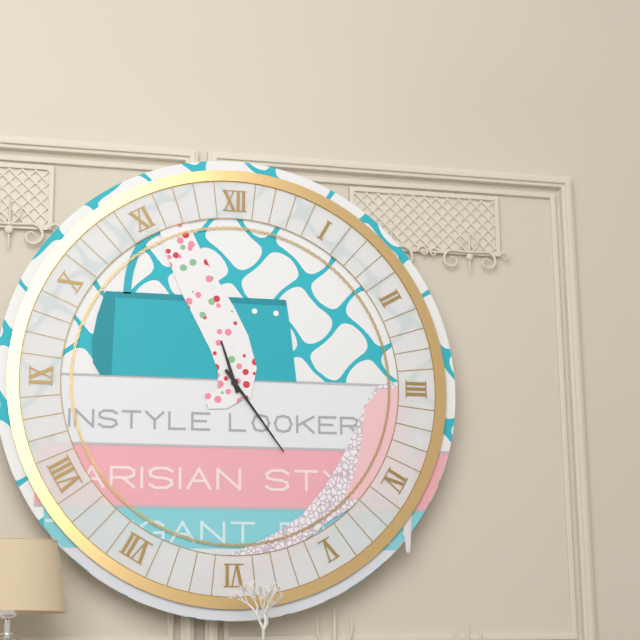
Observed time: 11:24
